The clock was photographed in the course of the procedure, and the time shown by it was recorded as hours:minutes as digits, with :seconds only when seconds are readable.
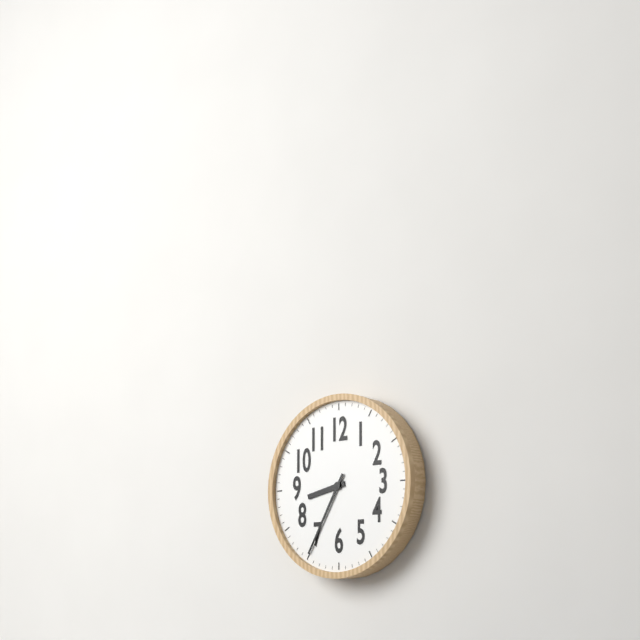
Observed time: 8:35
